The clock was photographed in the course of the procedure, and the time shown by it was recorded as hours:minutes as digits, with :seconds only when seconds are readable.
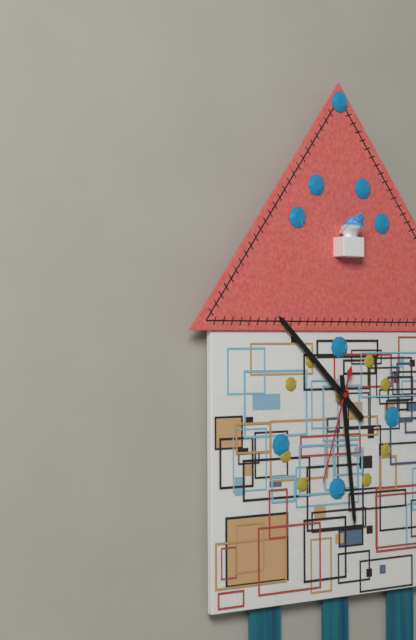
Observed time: 10:29:33
